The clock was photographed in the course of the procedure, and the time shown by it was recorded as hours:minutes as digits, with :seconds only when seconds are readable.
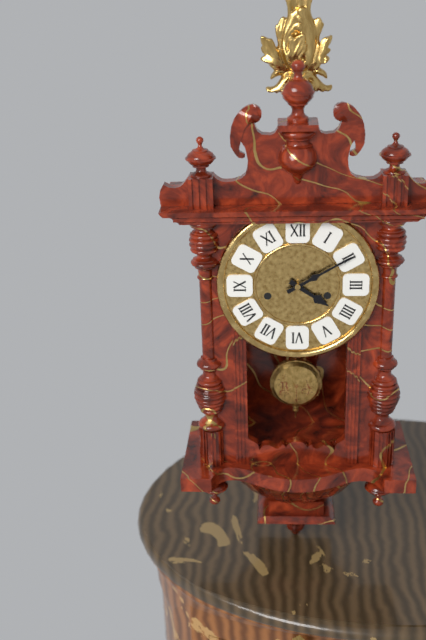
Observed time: 4:10
